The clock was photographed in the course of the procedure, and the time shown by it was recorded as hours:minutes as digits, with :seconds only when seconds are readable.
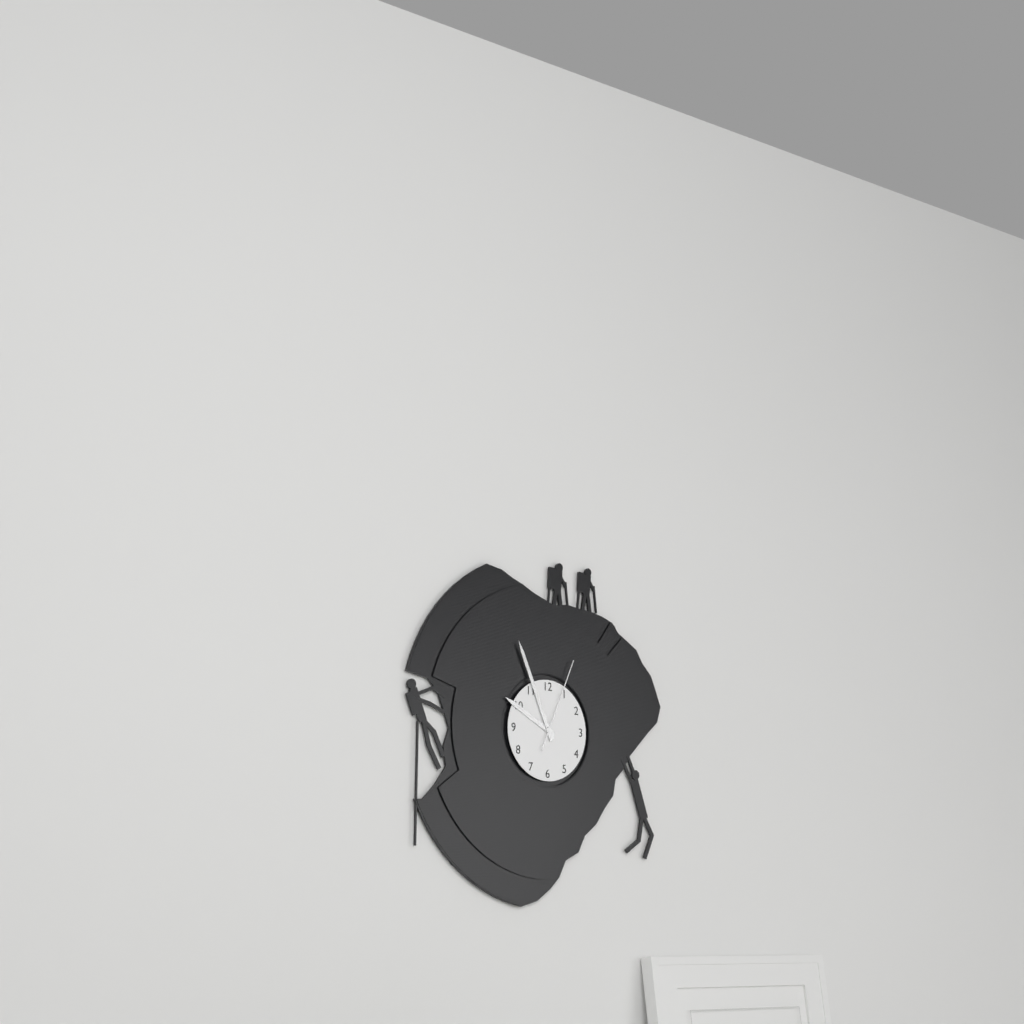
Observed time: 9:56:04
